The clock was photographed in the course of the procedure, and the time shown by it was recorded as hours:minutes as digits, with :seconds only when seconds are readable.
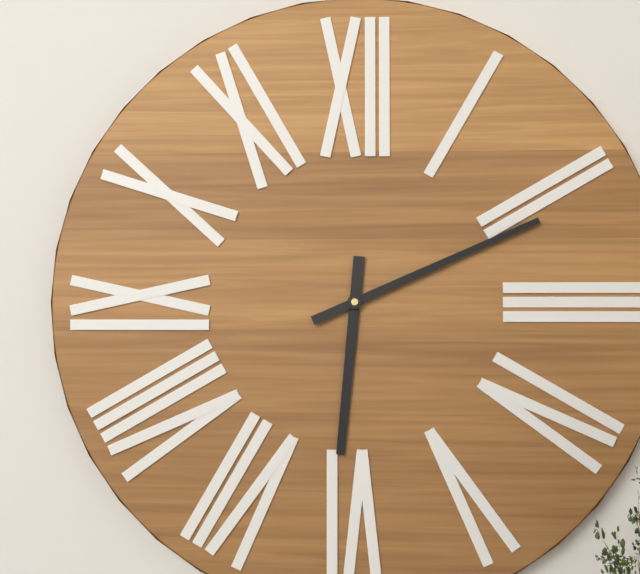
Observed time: 6:11
